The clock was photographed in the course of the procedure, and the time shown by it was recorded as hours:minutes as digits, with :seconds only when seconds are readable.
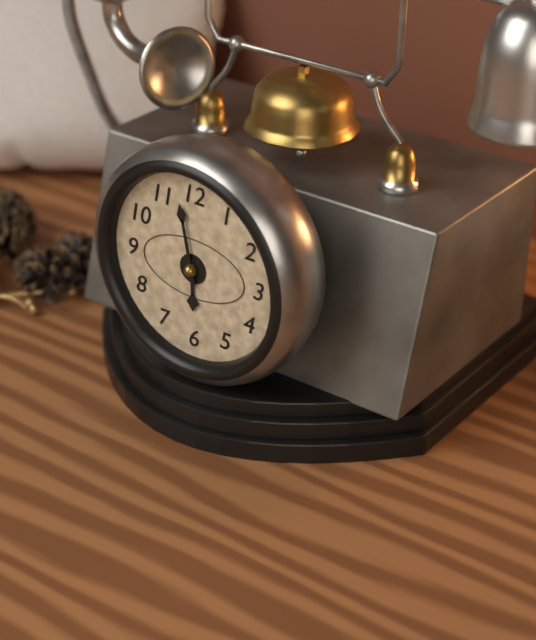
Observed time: 5:58
